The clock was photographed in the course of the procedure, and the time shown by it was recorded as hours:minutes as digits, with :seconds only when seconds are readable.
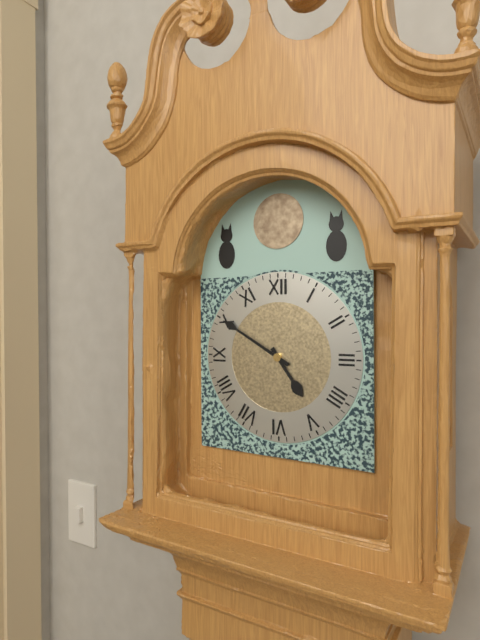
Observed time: 4:50
